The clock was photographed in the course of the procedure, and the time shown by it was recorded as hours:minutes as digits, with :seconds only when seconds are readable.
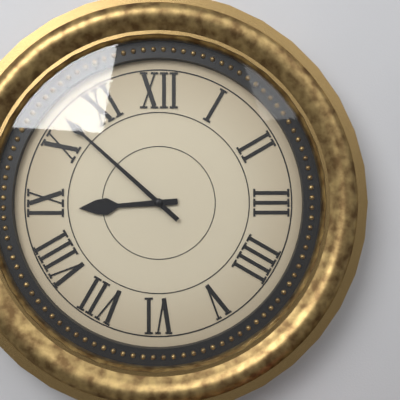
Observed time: 8:52
